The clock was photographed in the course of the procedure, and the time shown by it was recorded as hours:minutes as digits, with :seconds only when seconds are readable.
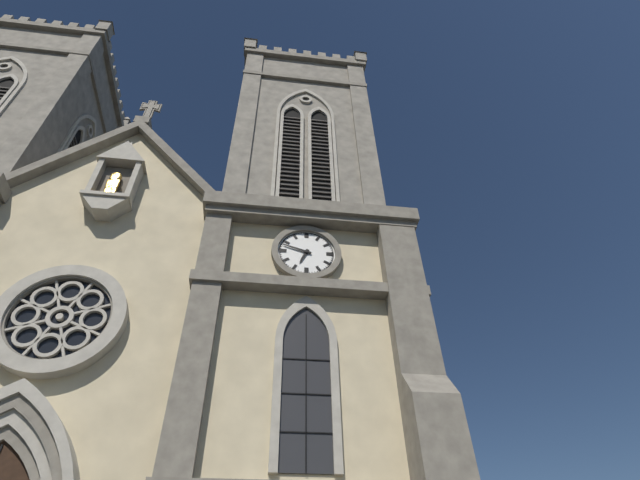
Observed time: 6:48
